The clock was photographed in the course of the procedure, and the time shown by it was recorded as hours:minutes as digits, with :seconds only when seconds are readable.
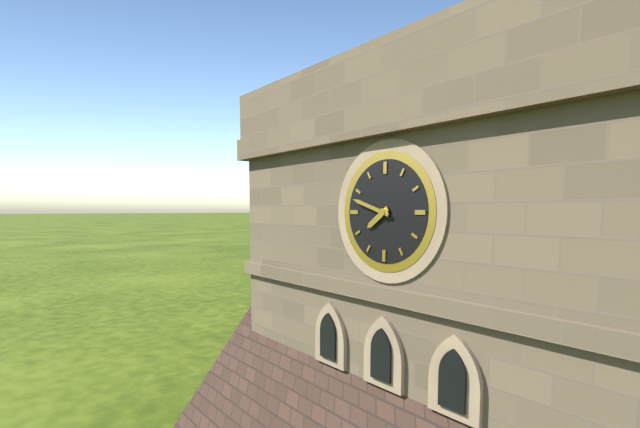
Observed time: 7:48
